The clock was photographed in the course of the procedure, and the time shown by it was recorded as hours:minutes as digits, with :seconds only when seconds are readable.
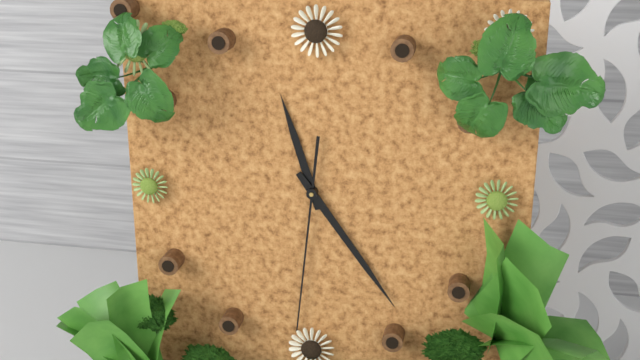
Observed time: 11:24:31
